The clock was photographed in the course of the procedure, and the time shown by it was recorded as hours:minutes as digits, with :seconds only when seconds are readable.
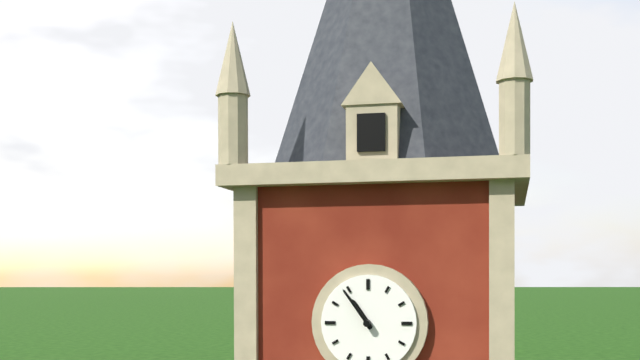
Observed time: 10:54
